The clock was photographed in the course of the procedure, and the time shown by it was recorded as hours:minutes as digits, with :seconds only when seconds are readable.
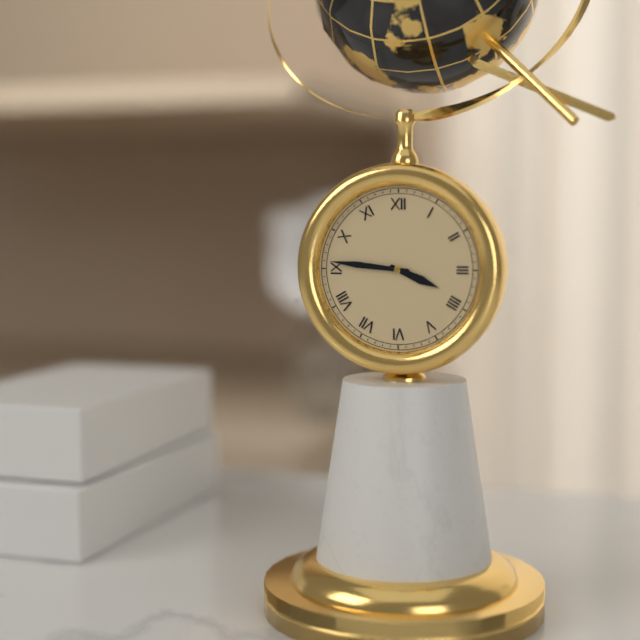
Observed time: 3:46
